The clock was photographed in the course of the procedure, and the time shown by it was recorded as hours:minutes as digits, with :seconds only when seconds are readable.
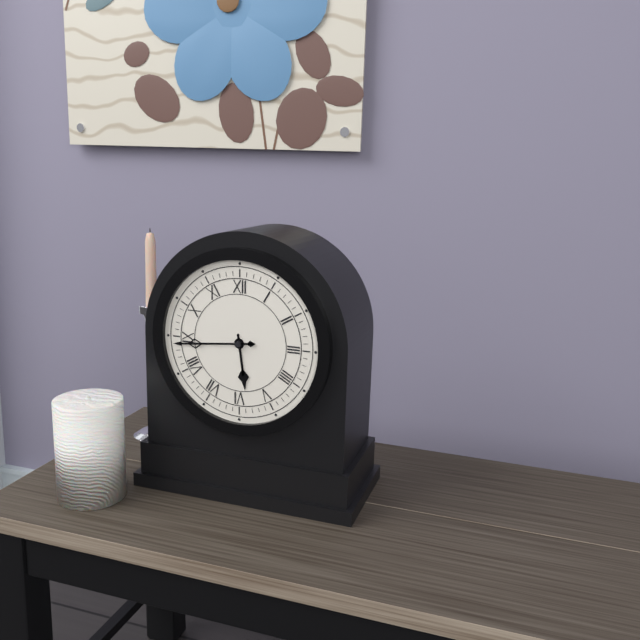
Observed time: 5:44
